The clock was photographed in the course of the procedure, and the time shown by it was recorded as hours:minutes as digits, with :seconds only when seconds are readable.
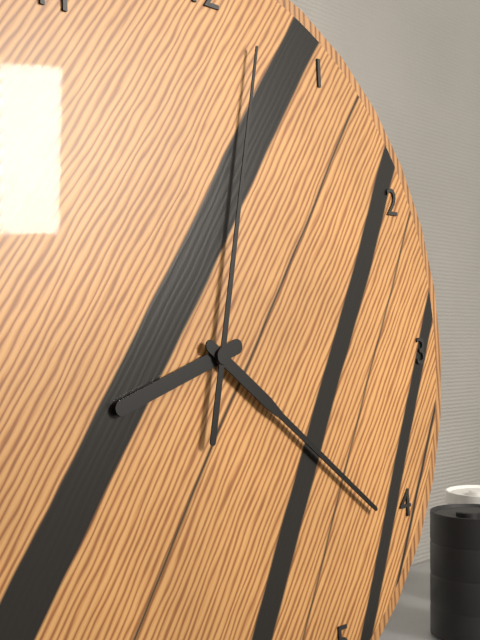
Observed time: 8:21:02
